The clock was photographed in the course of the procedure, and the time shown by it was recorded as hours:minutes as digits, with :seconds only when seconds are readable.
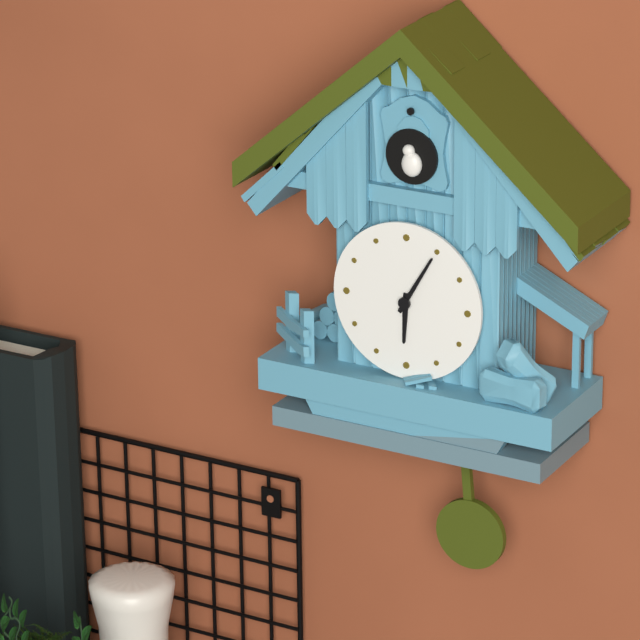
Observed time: 6:05
